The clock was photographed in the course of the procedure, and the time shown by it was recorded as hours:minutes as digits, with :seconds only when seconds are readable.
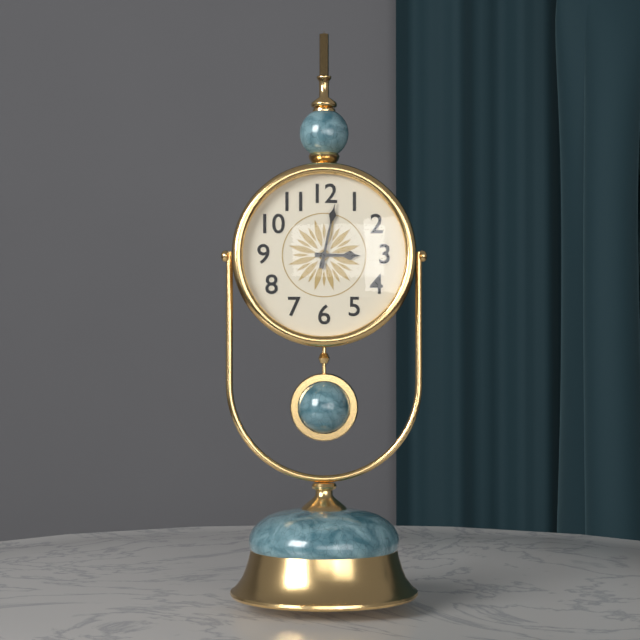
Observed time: 3:02
